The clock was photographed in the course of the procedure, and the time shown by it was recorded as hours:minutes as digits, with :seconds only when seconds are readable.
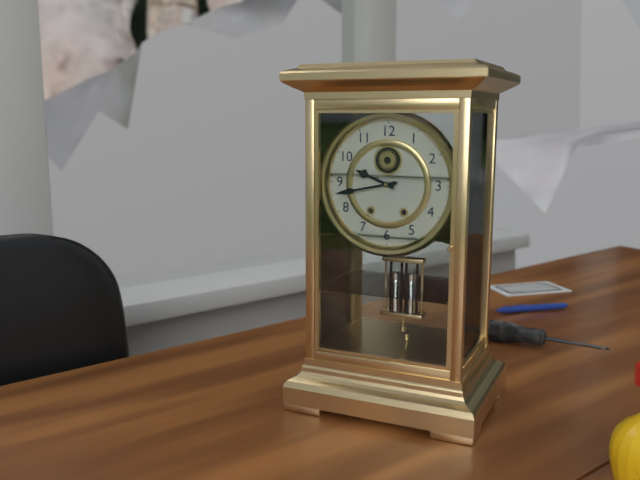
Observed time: 9:43
